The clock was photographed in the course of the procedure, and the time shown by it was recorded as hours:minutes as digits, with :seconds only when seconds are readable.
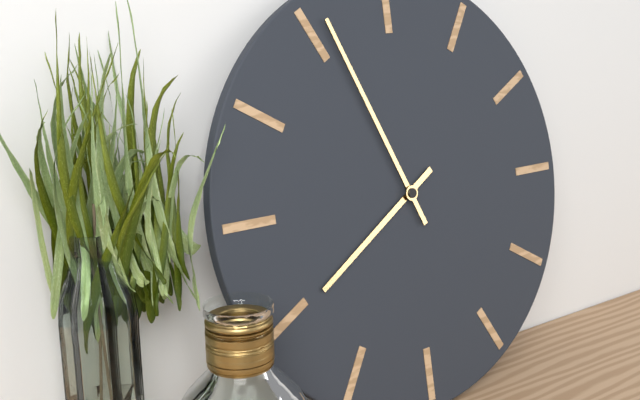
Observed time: 7:56
